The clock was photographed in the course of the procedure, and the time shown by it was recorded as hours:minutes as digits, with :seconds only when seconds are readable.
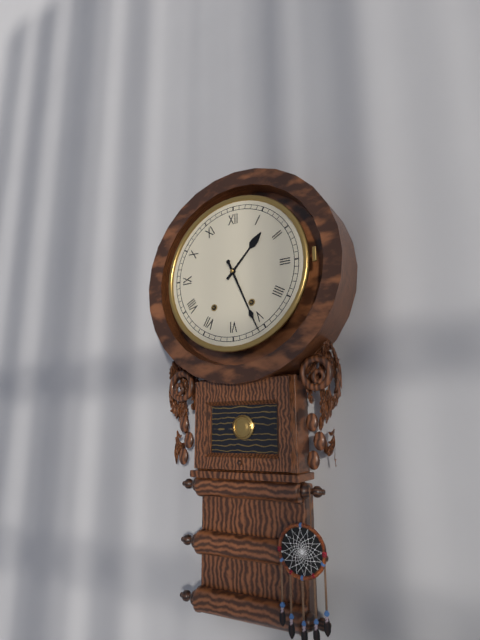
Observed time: 1:26
